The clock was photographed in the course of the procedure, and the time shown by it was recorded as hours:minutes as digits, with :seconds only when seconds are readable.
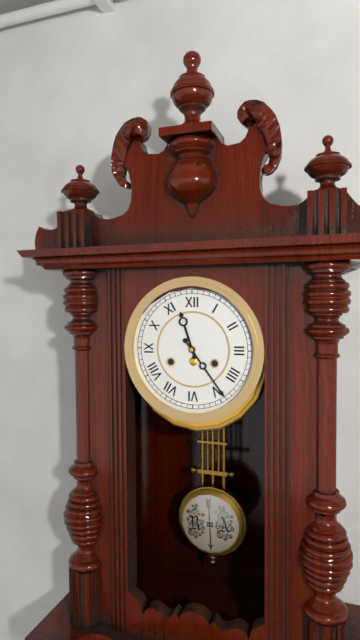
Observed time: 11:24
